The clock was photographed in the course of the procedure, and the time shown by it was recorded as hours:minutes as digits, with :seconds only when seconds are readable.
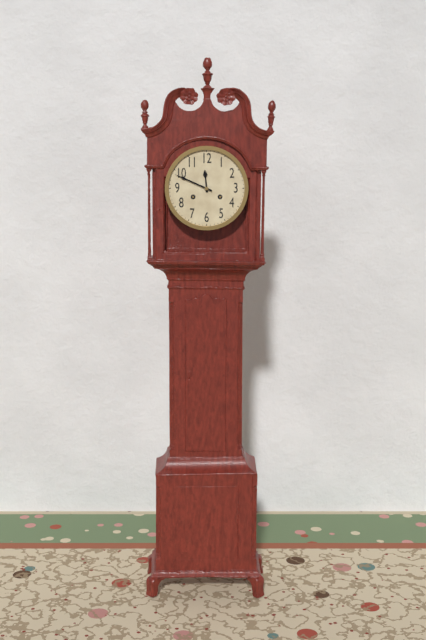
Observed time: 11:49
